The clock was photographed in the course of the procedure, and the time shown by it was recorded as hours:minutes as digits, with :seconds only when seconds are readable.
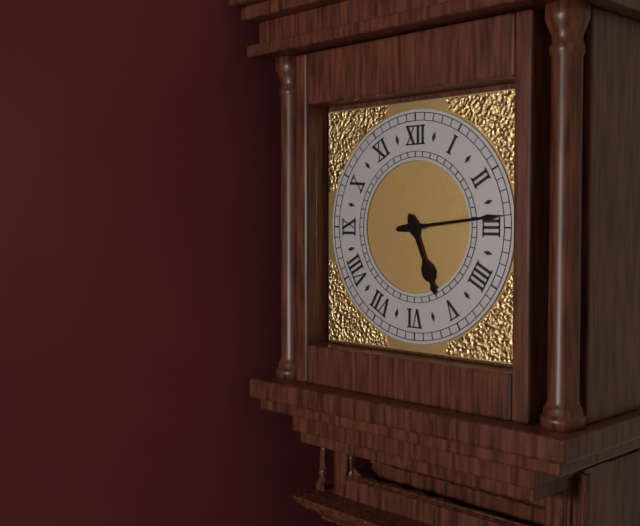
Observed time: 5:14
